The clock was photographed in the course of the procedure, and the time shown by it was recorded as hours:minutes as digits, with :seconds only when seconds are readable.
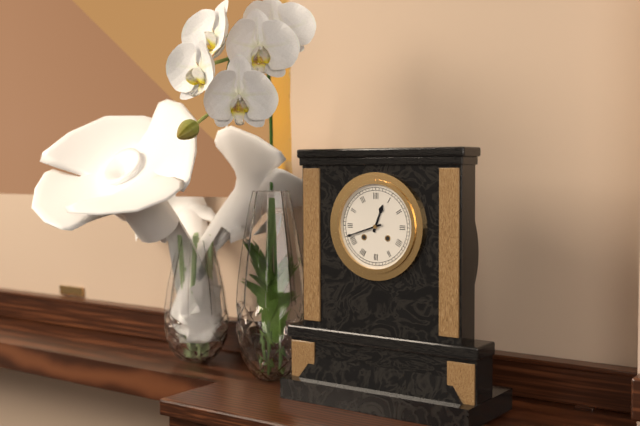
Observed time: 12:42
